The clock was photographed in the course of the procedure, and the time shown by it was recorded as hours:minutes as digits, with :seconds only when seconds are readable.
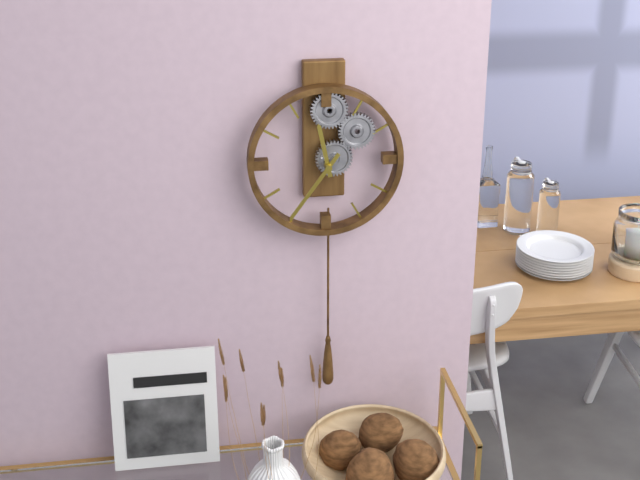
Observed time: 11:36
